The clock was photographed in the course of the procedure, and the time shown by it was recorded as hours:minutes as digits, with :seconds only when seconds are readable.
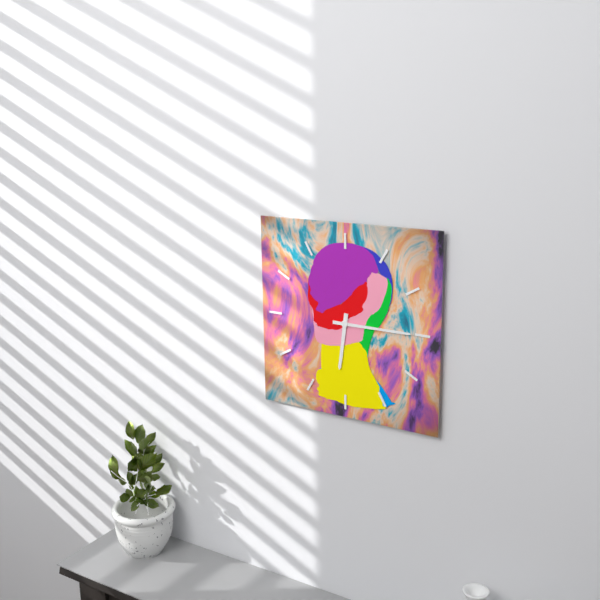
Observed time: 6:15
